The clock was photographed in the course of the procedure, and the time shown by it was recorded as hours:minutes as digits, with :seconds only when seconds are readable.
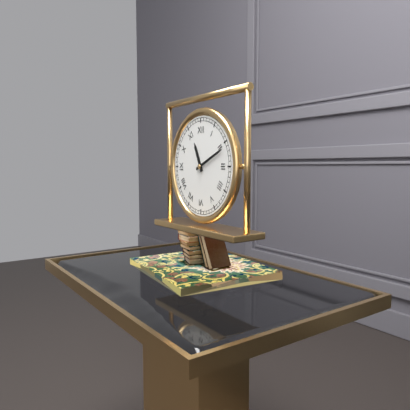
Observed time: 11:11
